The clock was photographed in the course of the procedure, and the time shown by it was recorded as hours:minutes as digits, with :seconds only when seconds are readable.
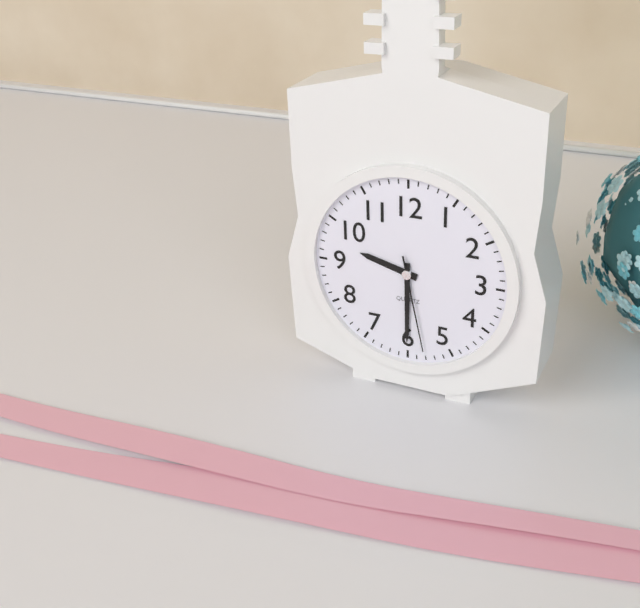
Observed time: 9:30:28
